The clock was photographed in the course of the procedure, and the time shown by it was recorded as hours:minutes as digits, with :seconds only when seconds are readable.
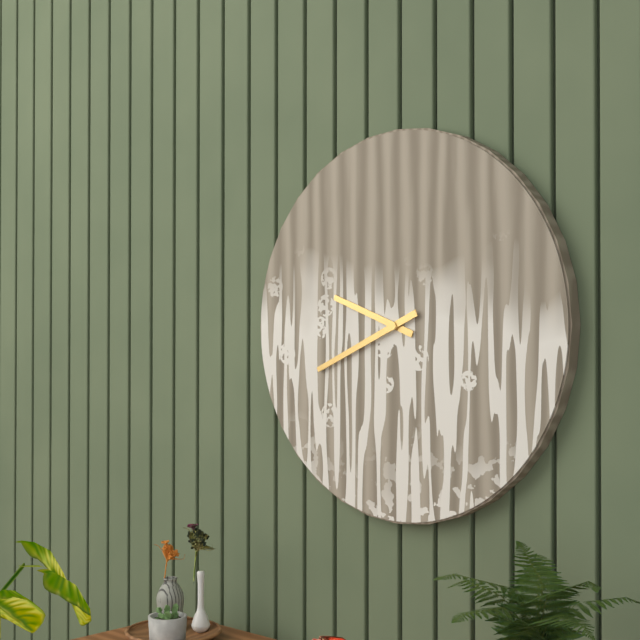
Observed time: 9:41
